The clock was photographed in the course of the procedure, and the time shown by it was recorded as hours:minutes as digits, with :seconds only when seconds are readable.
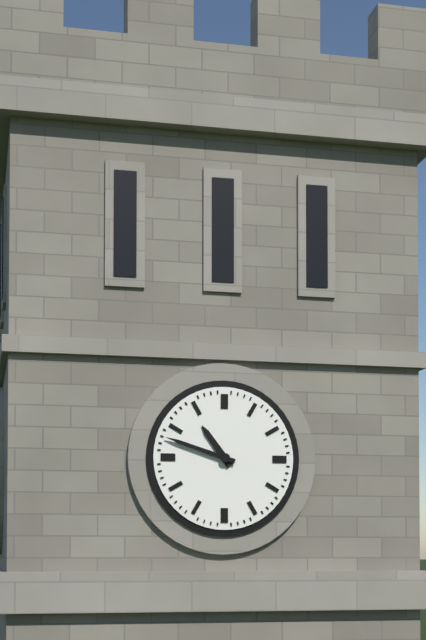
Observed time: 10:48
